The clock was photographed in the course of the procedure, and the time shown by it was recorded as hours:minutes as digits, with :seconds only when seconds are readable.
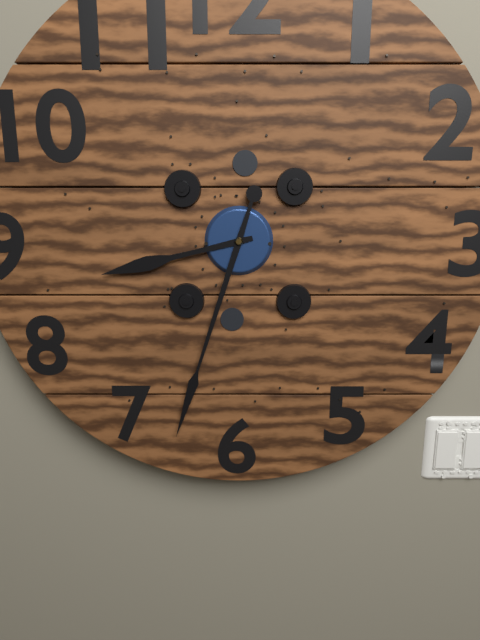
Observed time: 8:33
